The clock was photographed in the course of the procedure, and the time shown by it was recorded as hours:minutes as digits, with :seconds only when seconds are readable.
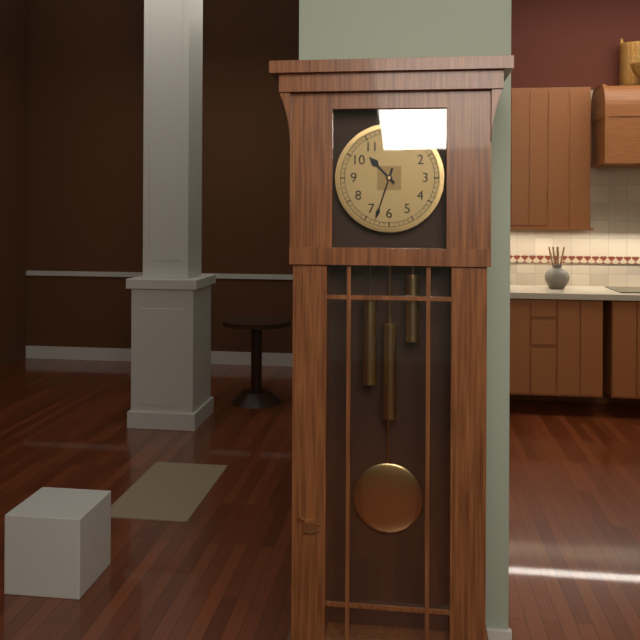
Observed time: 10:33
